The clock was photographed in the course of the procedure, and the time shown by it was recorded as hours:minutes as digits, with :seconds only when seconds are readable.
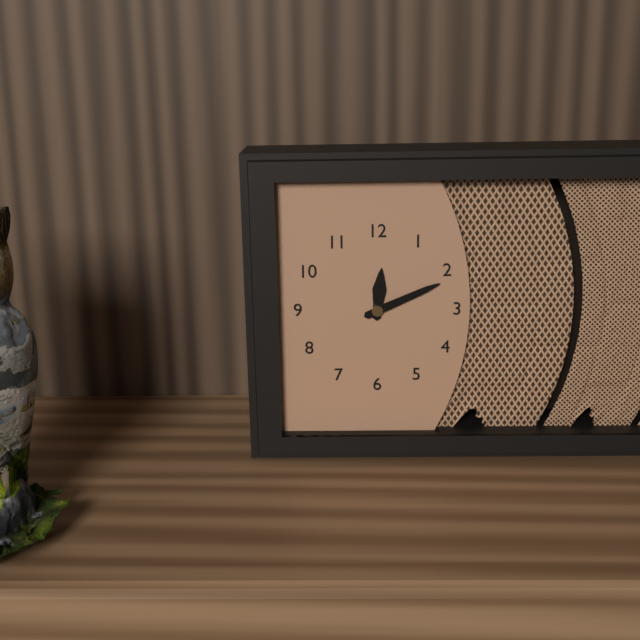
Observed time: 12:11
